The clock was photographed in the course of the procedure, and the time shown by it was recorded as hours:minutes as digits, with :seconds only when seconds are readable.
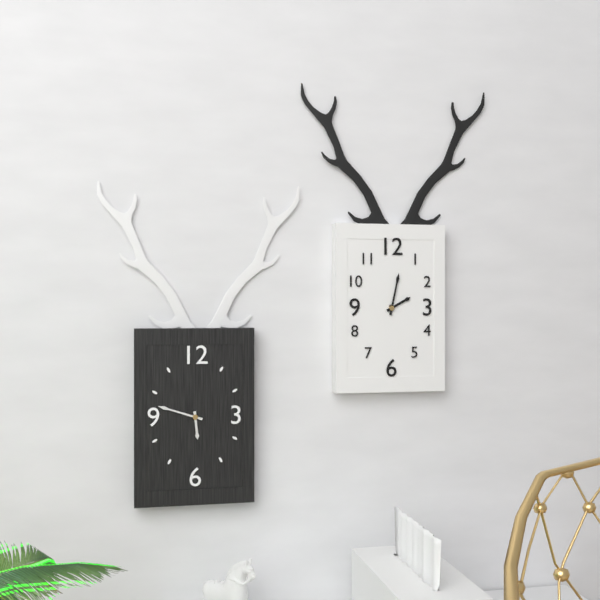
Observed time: 5:48
